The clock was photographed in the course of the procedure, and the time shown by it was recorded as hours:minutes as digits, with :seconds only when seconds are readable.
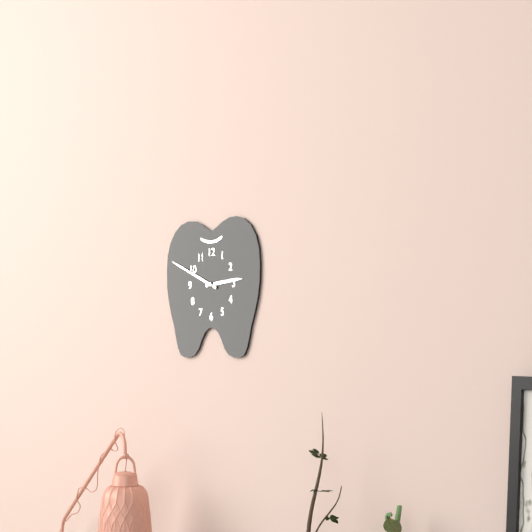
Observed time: 2:49
